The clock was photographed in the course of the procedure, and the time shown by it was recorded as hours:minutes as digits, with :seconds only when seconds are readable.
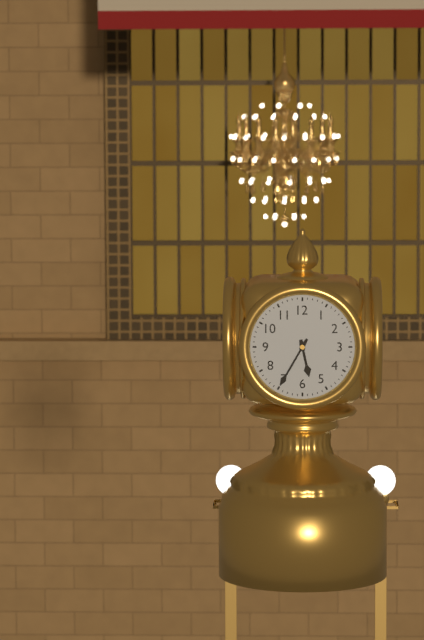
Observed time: 5:35
